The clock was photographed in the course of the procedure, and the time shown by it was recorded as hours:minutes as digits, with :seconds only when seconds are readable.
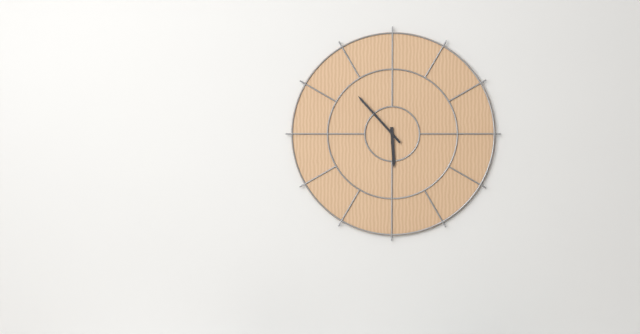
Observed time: 5:53
